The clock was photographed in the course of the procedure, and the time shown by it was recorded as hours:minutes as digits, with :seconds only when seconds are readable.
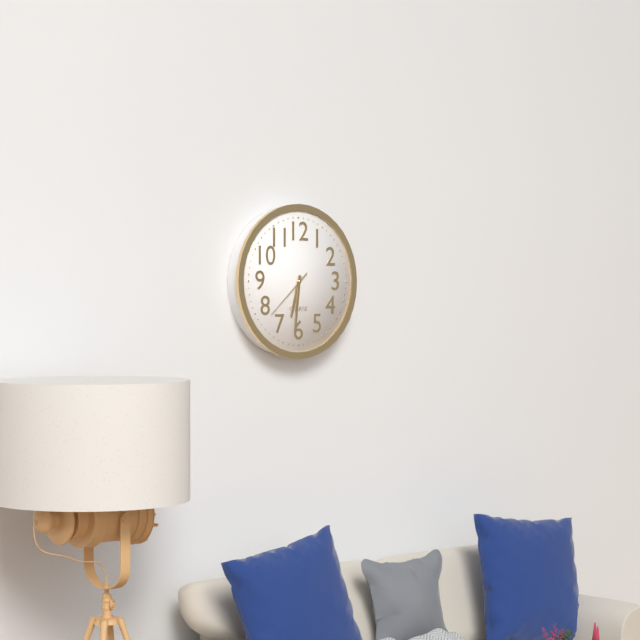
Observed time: 6:31:38
